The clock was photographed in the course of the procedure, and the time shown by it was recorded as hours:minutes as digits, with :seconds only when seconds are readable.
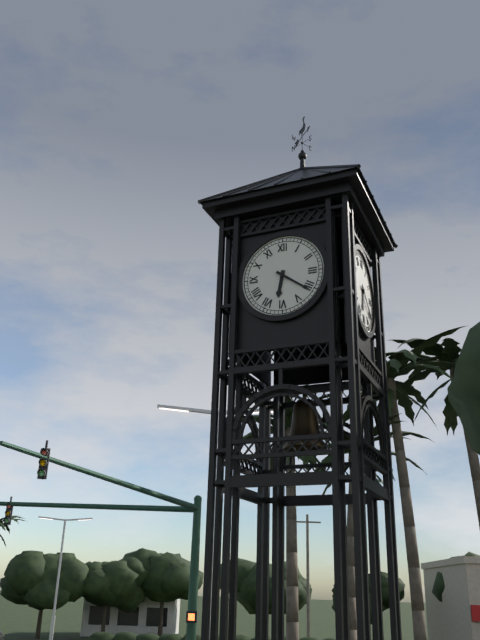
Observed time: 6:21
